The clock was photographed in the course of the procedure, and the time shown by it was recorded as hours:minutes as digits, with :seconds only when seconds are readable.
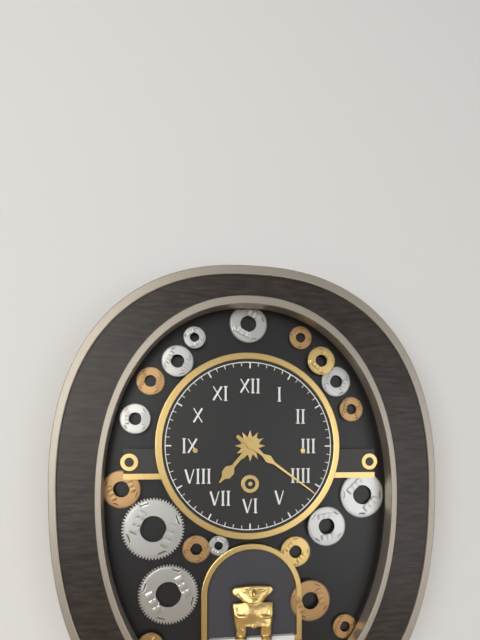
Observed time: 7:21
